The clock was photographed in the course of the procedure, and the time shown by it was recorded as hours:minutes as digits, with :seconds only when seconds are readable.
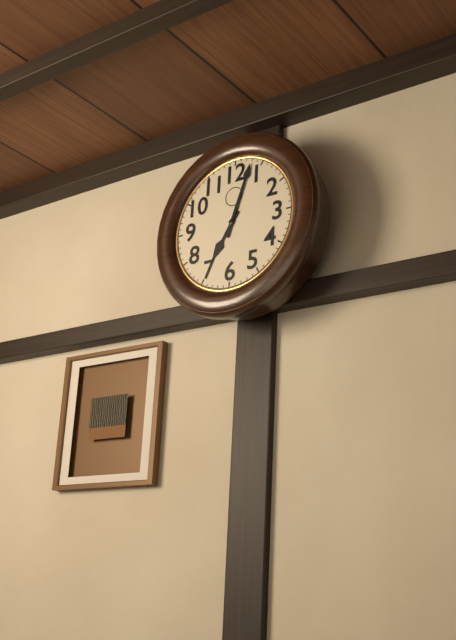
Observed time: 7:03
